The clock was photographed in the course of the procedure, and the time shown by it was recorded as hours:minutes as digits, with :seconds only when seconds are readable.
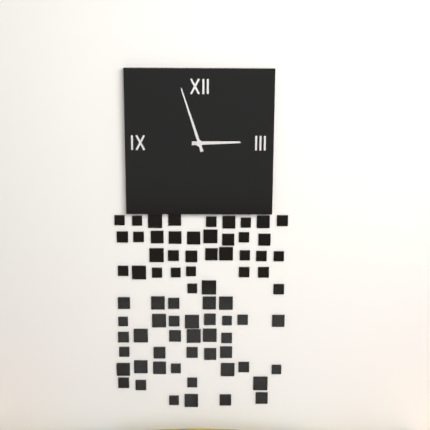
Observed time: 2:57
